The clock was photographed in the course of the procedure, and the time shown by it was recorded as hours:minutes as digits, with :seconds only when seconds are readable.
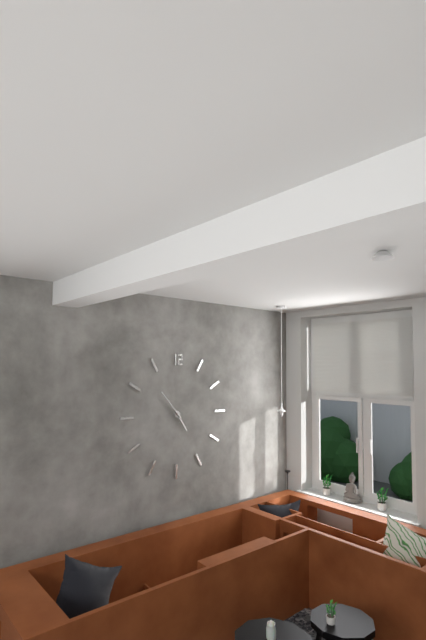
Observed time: 4:53
